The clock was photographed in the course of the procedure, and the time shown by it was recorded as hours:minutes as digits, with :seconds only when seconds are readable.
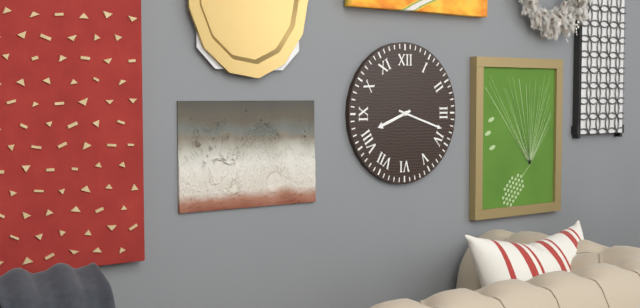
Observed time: 8:18
